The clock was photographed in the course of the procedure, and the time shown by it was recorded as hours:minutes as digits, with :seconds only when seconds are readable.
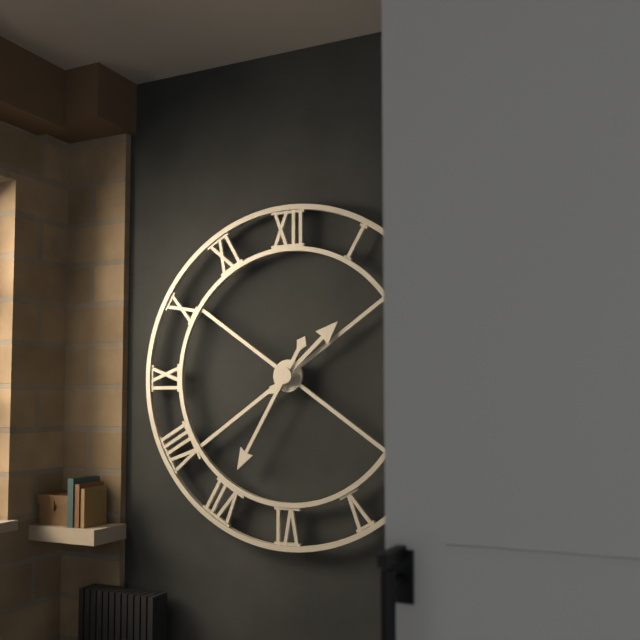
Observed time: 1:35
